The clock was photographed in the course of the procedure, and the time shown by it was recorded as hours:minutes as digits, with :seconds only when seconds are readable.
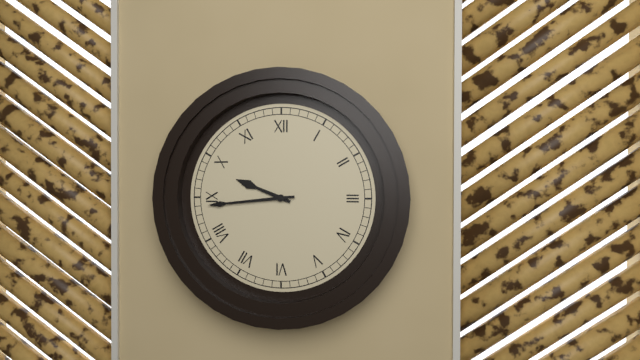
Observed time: 9:44
